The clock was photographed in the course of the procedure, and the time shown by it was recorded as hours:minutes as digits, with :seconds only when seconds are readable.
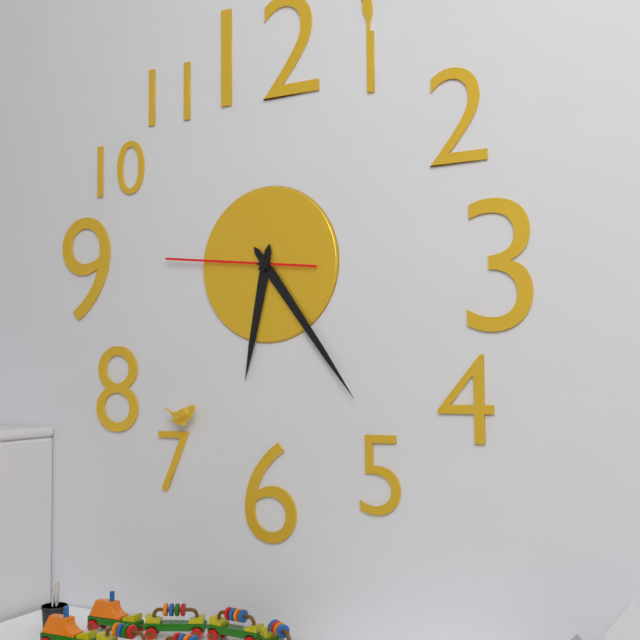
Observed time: 6:24:46
